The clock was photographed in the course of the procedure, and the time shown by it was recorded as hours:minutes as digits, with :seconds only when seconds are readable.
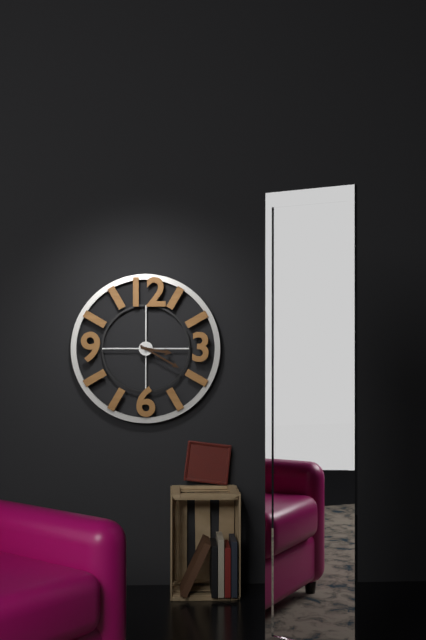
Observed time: 3:20
